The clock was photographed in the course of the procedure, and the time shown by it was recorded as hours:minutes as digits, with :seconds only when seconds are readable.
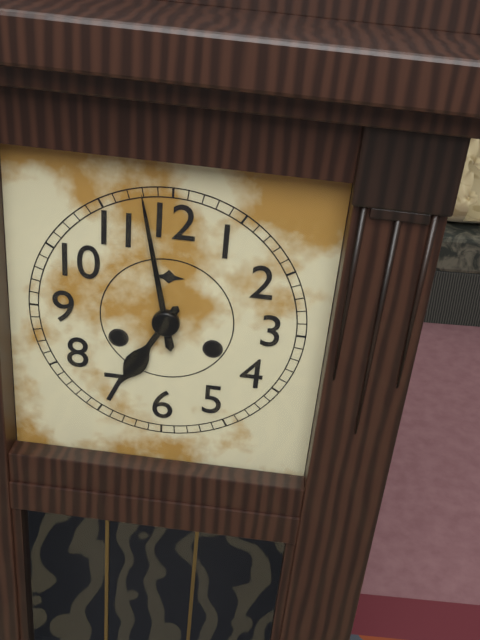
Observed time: 6:58
